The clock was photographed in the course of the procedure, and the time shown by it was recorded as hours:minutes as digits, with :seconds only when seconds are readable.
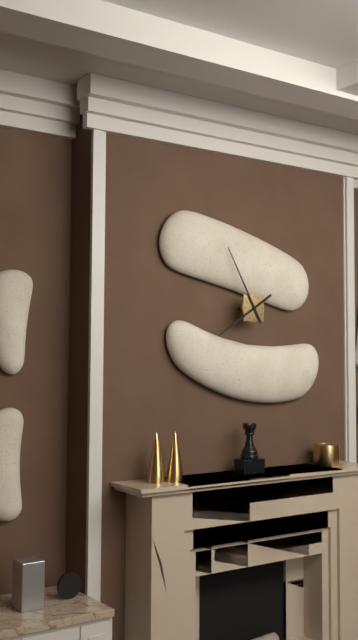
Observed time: 7:55
